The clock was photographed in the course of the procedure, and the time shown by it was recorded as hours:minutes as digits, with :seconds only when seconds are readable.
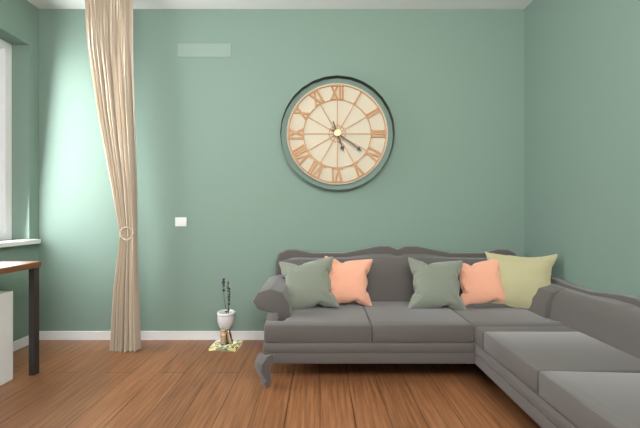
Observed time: 5:21
